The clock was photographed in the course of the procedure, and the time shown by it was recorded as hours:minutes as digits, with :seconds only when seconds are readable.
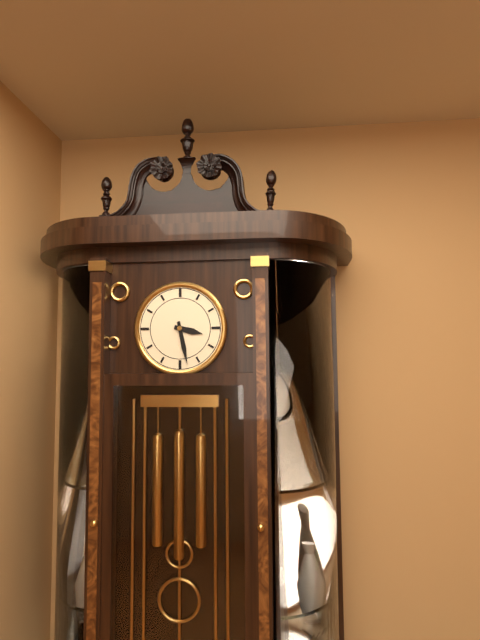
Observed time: 3:28
